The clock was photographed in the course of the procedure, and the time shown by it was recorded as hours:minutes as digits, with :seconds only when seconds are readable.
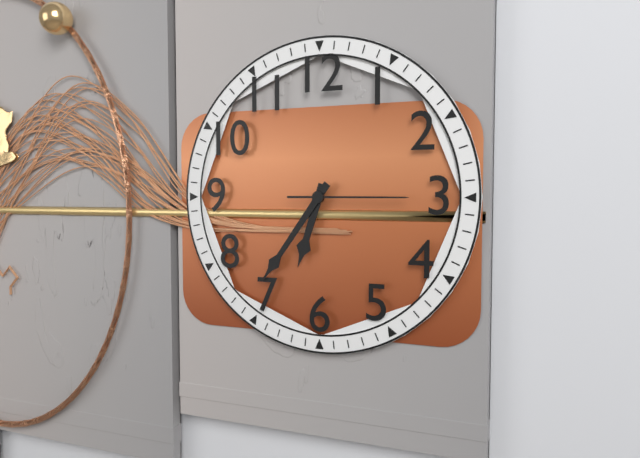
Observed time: 6:36:15
